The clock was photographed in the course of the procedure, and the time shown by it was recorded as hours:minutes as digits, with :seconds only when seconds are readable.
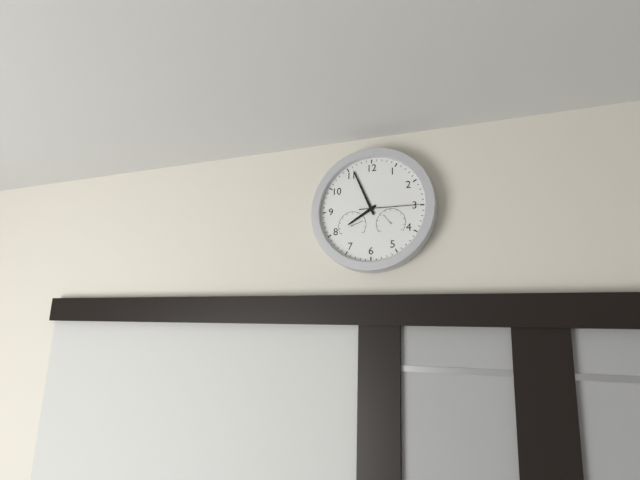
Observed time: 7:56:15
